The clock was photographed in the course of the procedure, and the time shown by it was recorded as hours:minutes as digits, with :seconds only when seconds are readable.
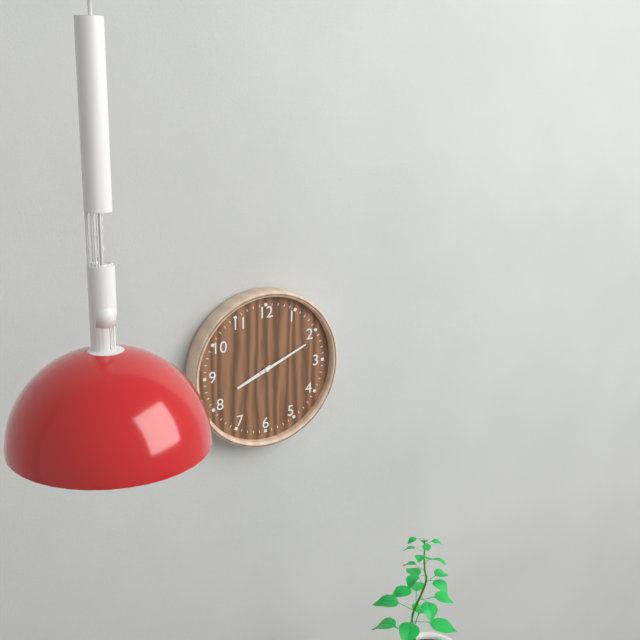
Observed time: 8:11
